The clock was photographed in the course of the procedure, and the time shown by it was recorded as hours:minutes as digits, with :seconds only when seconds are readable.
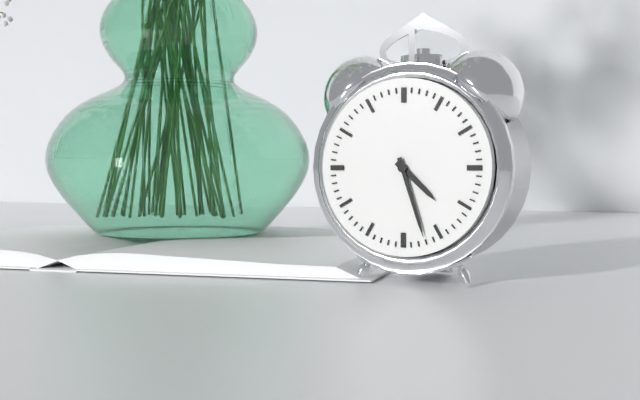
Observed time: 4:27
